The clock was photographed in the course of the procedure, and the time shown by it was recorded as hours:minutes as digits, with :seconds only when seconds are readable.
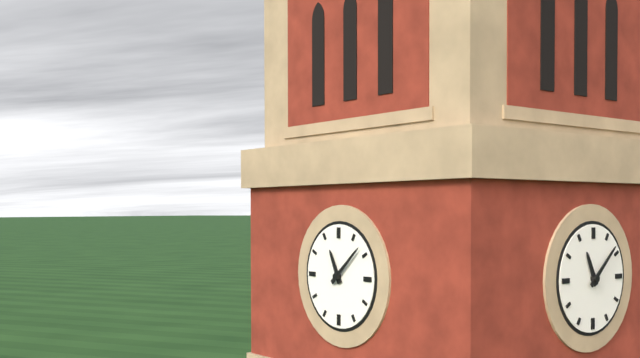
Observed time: 11:08
